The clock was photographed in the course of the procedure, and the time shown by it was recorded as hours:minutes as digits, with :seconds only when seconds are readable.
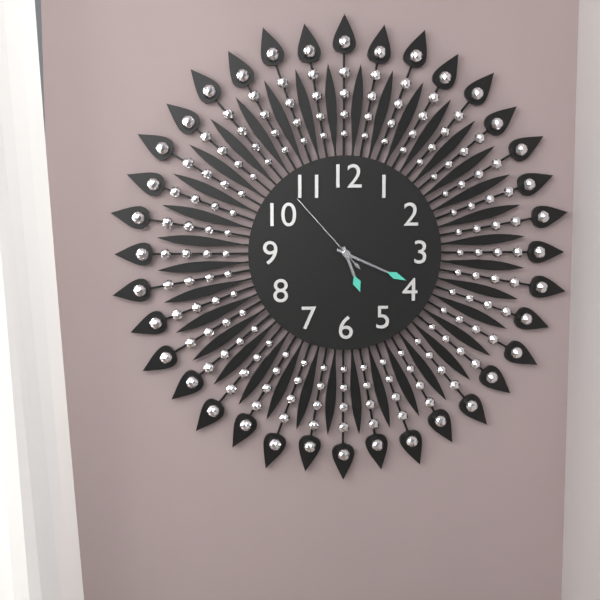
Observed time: 5:19:53
